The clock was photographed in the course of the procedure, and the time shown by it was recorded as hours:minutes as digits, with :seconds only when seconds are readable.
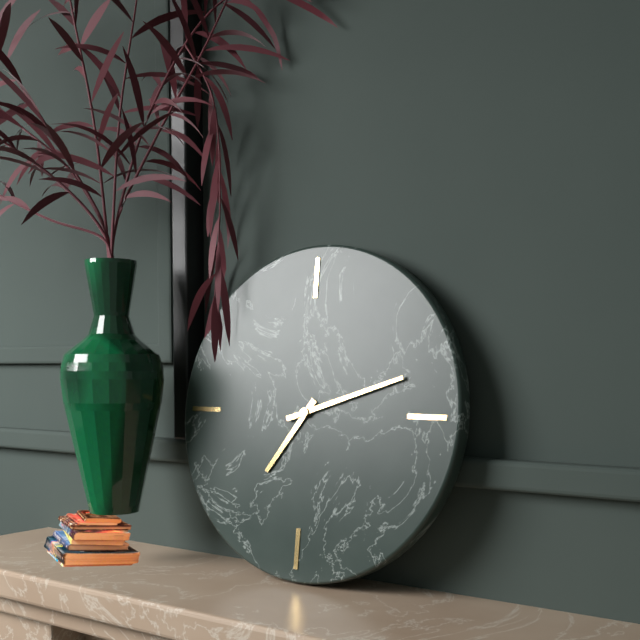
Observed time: 7:12
